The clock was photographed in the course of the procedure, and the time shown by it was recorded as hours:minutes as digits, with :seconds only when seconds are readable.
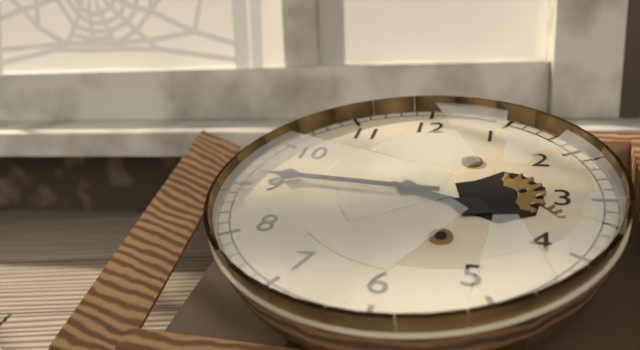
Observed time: 3:46
